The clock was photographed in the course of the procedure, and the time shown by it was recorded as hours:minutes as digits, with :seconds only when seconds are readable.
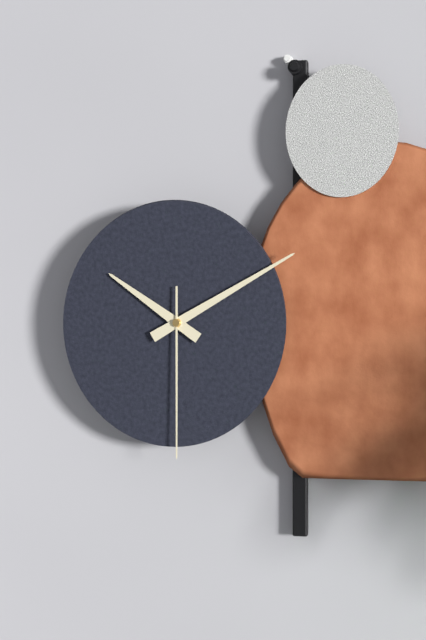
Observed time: 10:10:30
